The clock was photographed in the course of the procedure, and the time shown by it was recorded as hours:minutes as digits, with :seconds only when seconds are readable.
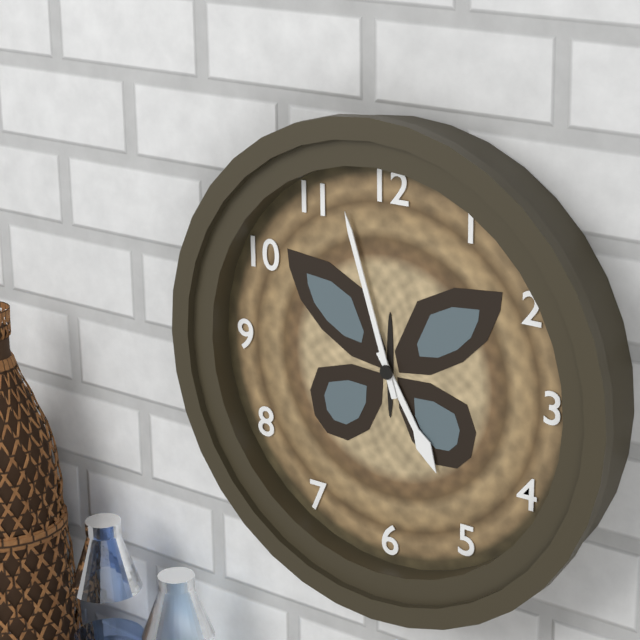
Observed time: 4:57
